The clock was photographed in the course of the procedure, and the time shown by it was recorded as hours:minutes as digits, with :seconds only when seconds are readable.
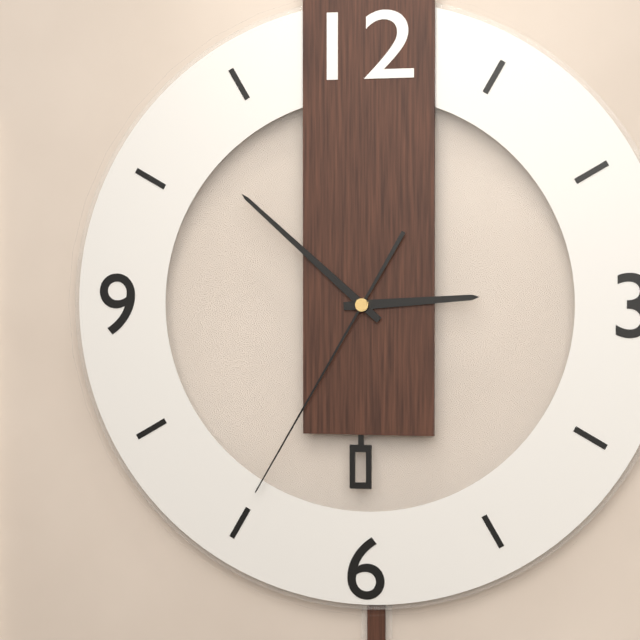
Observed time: 2:52:35
